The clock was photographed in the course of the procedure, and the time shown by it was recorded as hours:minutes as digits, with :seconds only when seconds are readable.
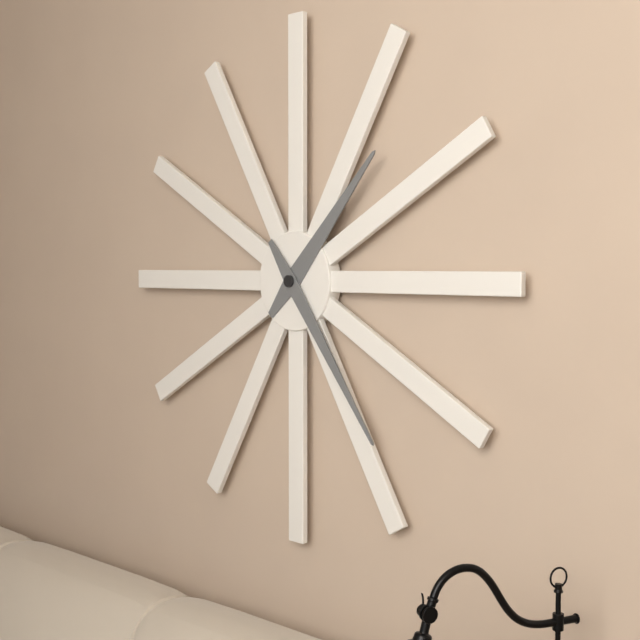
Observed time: 1:24
